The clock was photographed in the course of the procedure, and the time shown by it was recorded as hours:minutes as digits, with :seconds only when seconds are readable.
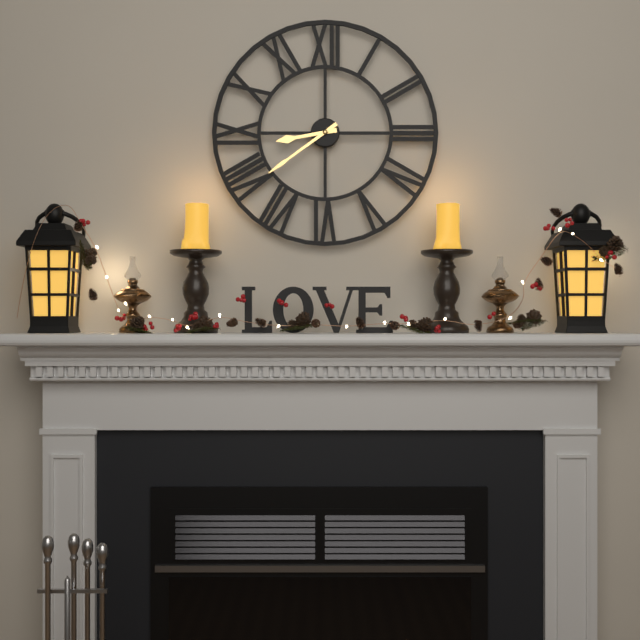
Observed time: 8:39
